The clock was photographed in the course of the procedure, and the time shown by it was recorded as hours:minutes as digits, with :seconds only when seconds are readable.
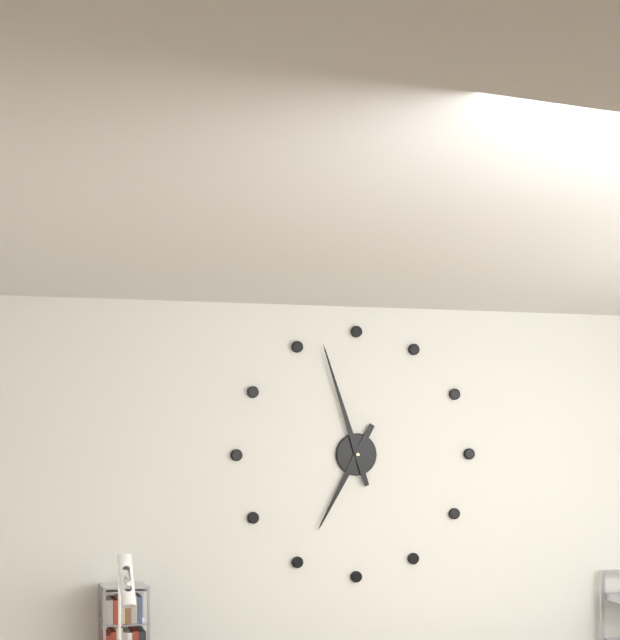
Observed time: 6:57
